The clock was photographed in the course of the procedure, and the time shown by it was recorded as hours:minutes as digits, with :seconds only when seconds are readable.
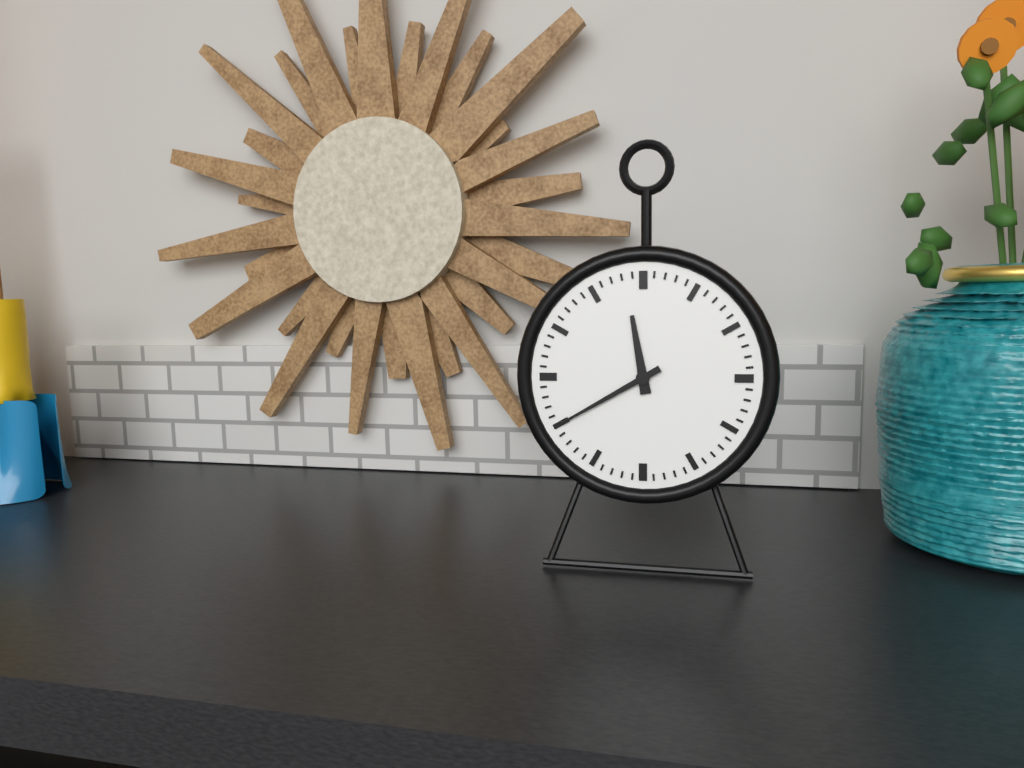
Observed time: 11:40
